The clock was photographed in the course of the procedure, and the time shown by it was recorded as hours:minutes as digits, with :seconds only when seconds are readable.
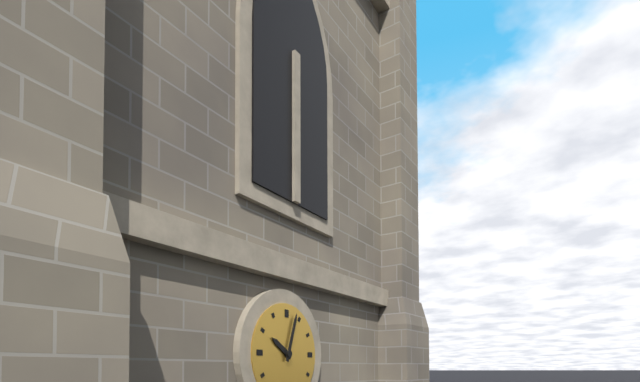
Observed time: 10:03
